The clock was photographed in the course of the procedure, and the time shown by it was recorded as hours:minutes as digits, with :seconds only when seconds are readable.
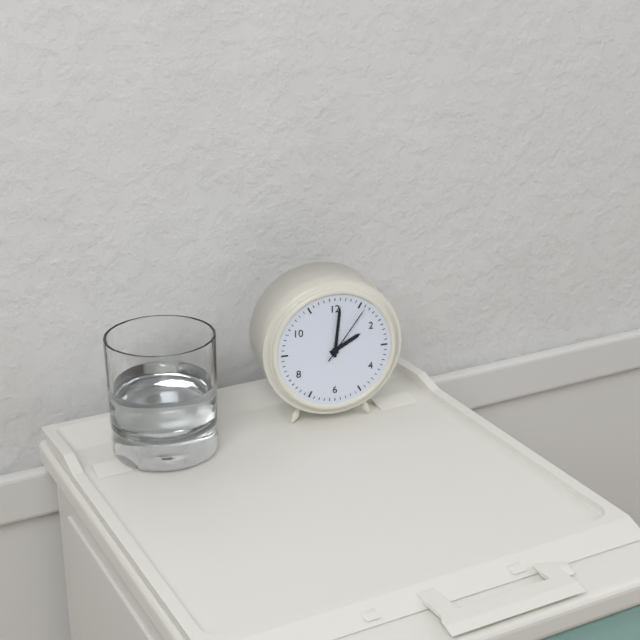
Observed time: 2:01:06
